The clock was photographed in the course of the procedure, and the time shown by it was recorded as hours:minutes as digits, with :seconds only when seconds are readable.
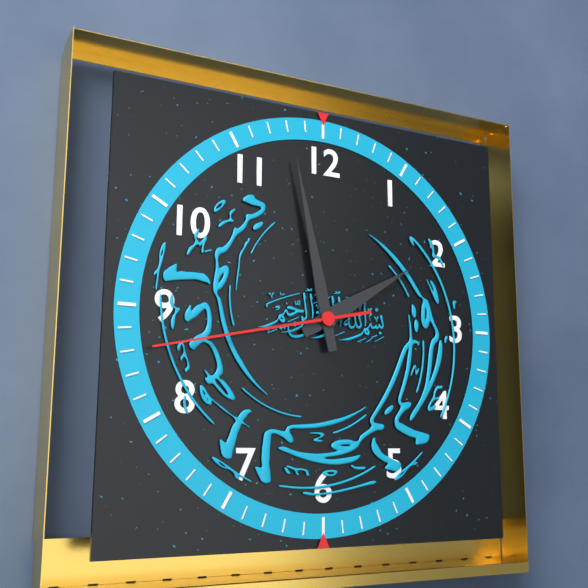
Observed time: 1:58:43
